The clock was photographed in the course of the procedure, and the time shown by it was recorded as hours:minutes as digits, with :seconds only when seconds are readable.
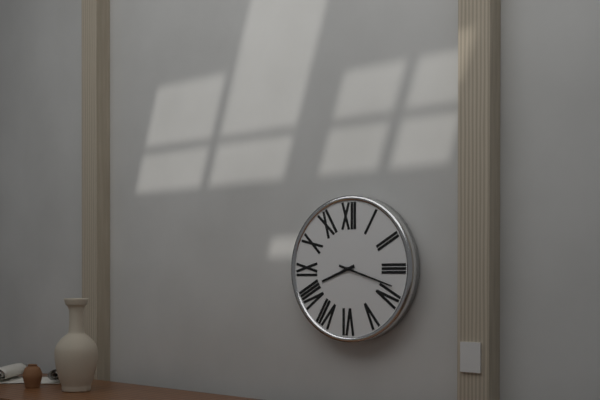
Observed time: 8:18
